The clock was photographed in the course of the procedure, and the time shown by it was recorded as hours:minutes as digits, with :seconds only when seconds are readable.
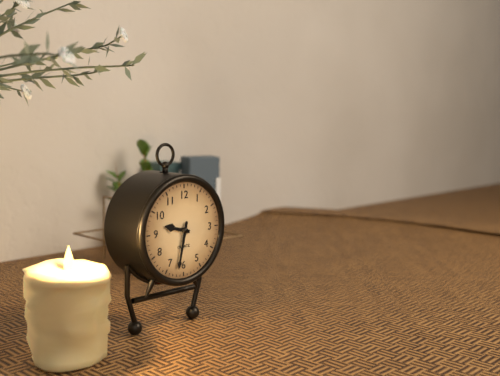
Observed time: 9:32
